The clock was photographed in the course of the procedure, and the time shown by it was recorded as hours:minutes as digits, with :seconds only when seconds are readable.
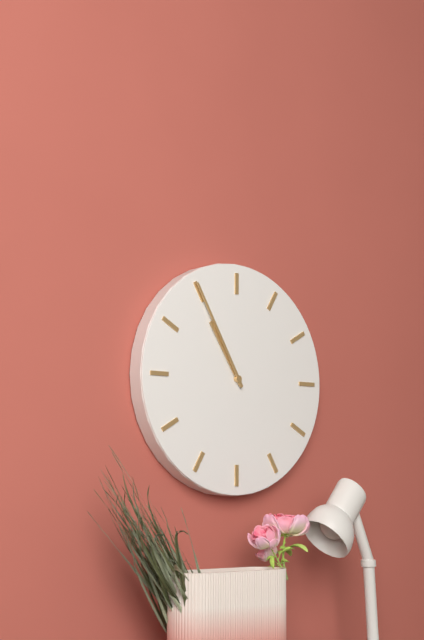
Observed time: 10:55
